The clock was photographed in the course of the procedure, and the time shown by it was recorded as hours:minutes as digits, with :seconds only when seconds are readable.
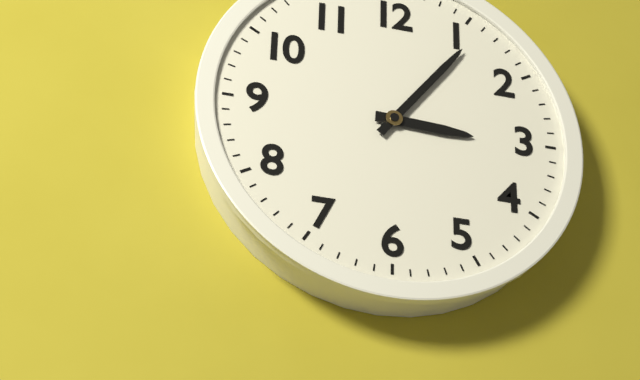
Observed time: 3:06
